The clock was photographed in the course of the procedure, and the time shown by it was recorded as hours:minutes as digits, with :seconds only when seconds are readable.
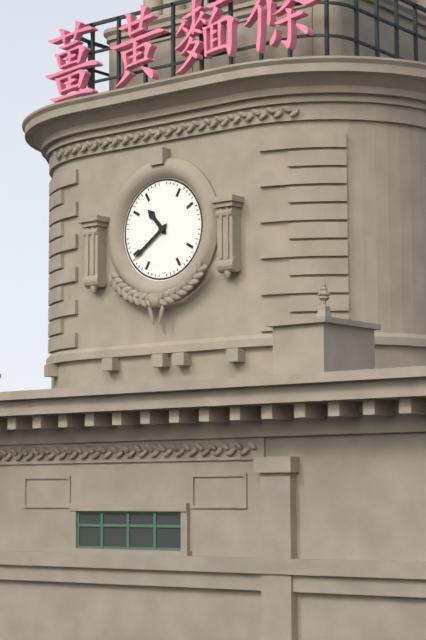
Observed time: 10:39
